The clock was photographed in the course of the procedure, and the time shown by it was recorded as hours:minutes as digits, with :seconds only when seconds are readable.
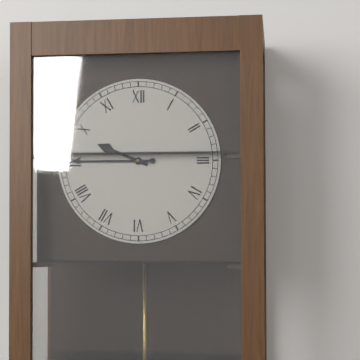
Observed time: 9:45
